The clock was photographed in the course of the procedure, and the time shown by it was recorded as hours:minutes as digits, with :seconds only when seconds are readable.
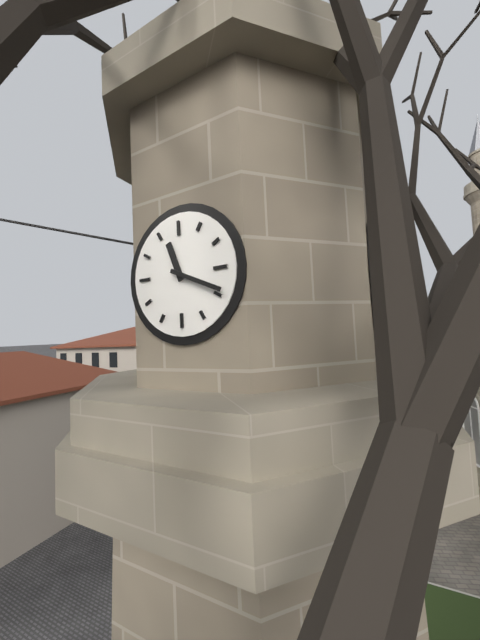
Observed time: 11:19
